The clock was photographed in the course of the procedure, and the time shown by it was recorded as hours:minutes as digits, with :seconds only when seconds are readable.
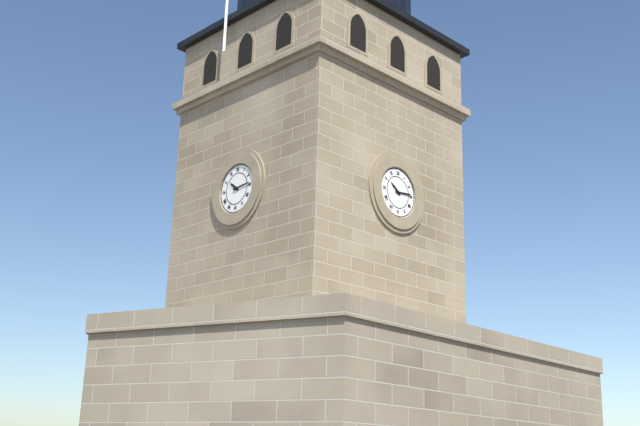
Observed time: 10:14
